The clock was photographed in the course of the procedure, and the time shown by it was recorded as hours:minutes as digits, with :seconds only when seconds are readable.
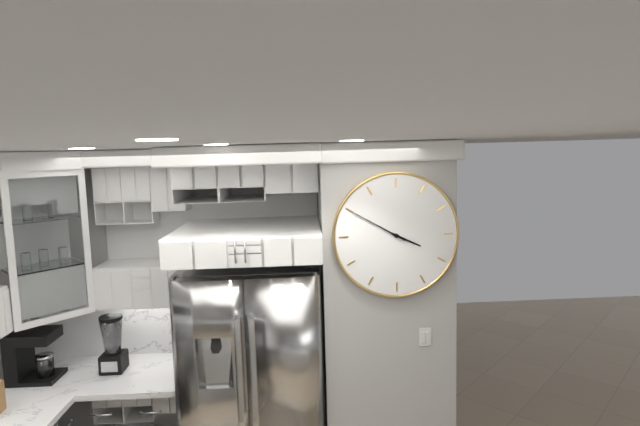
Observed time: 3:50
